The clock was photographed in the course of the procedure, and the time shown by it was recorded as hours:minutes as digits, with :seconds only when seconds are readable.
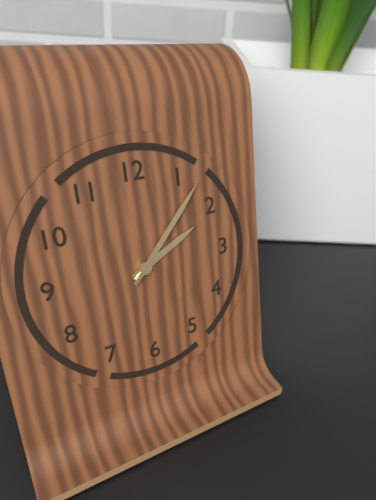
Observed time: 2:07
